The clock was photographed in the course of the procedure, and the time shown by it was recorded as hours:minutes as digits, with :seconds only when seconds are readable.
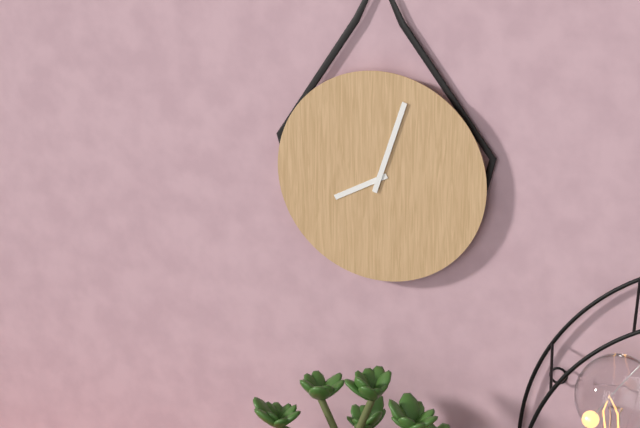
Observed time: 8:03
